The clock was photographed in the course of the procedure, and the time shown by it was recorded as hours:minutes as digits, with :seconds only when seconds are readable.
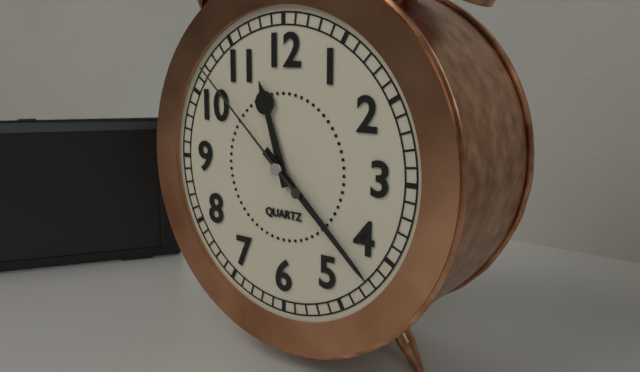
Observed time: 11:22:52
